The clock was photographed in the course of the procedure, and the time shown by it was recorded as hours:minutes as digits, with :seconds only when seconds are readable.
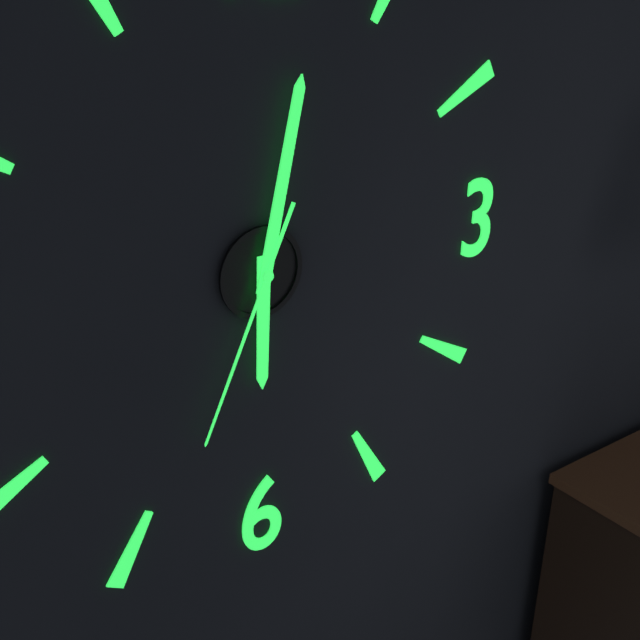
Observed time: 6:02:34
